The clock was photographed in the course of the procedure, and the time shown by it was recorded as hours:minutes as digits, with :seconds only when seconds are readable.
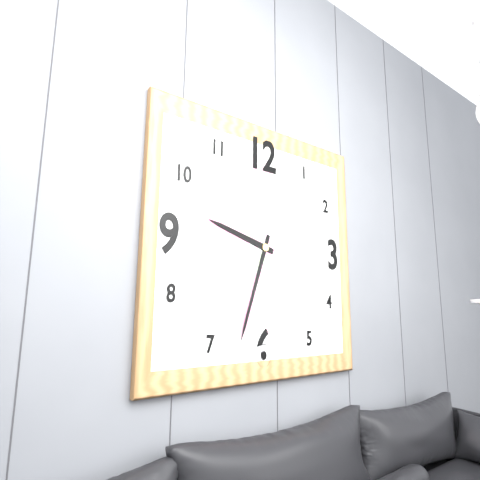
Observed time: 9:33
